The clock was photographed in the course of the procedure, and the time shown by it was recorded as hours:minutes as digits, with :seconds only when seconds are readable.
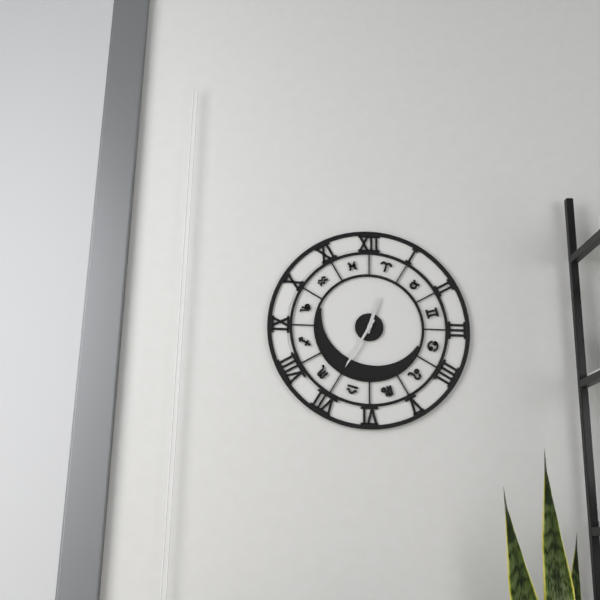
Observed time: 12:35
